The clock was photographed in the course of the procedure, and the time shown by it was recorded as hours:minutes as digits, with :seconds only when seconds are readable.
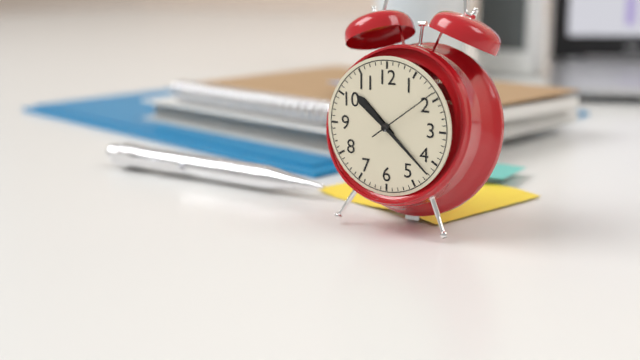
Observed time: 10:22:09
